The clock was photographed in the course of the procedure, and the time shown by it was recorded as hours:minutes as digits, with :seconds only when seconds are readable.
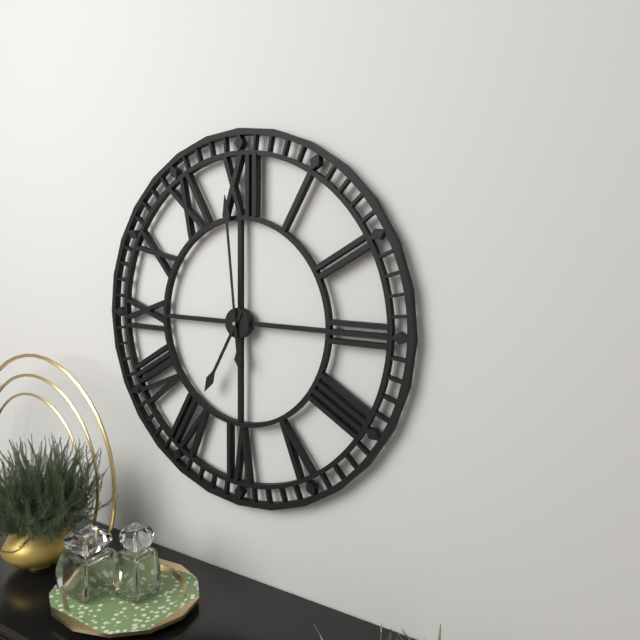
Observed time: 6:59
